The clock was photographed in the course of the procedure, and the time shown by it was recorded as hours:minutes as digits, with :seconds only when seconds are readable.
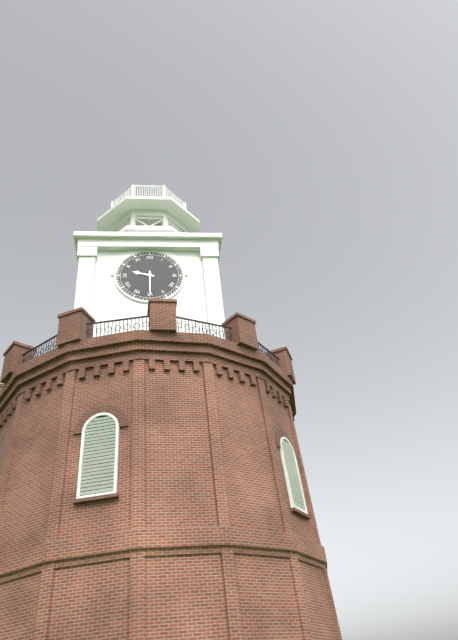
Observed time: 9:30
